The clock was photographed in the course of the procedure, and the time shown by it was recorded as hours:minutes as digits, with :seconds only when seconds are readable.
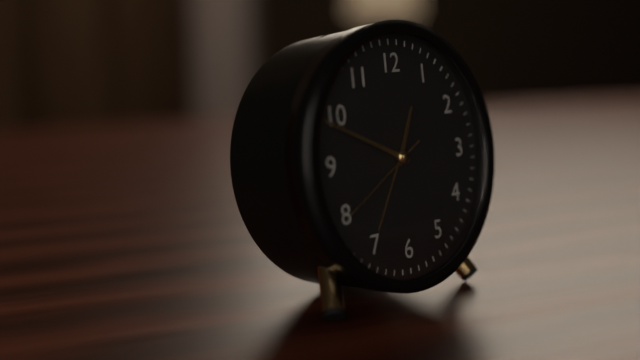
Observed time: 12:49:40
